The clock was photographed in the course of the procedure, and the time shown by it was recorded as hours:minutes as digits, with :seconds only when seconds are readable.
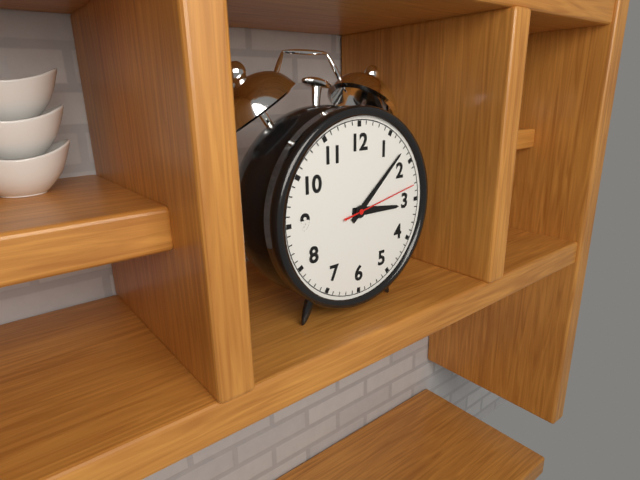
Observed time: 3:08:13
